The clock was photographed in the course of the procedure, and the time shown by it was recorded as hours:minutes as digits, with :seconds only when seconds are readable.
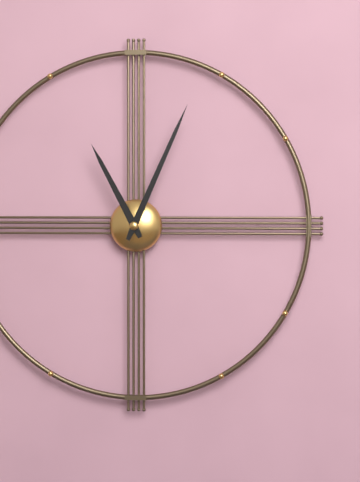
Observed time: 11:04
